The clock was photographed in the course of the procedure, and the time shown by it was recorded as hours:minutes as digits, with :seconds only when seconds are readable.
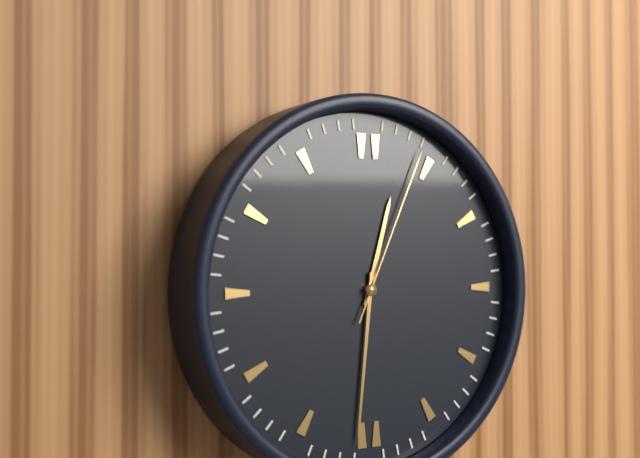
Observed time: 12:31:04
